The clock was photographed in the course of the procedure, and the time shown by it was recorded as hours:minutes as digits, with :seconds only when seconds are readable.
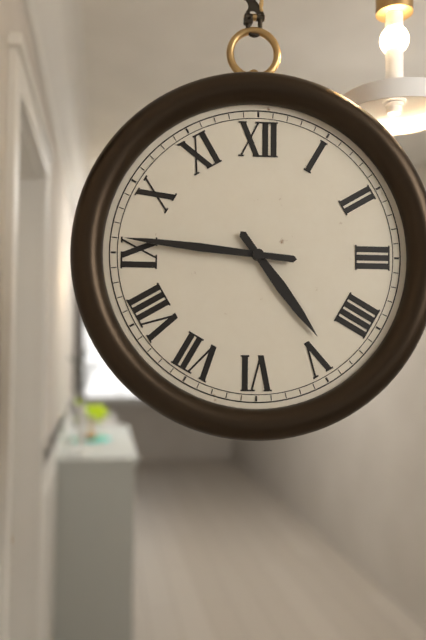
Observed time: 4:46
